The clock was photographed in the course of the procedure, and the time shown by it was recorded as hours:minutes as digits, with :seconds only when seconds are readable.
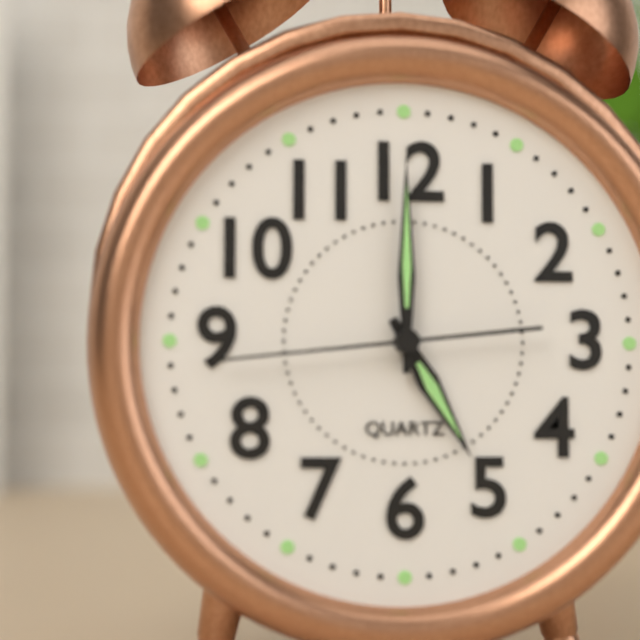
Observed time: 5:00:44
